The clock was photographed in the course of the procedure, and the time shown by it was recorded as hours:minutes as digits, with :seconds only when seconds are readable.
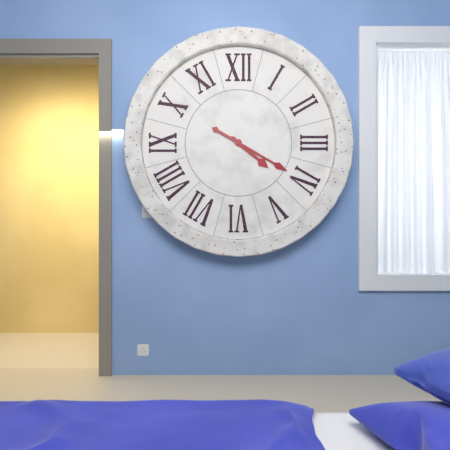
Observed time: 4:20
